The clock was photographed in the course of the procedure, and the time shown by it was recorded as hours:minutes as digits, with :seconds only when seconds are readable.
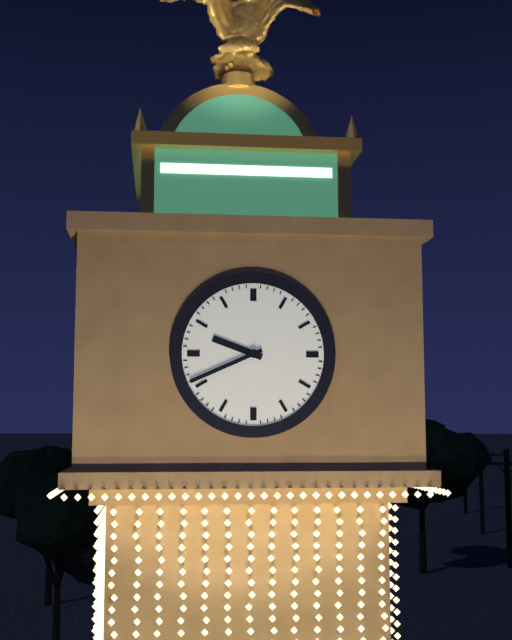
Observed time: 9:41
